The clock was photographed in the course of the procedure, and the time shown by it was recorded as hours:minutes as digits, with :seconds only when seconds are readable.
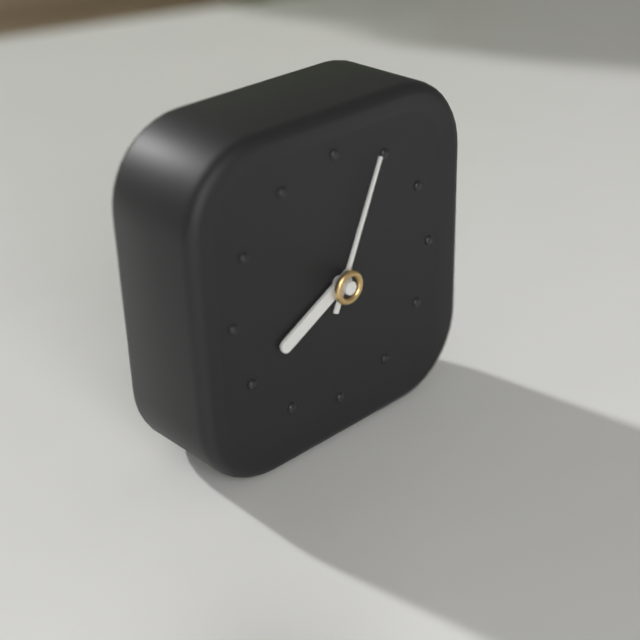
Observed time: 8:04
